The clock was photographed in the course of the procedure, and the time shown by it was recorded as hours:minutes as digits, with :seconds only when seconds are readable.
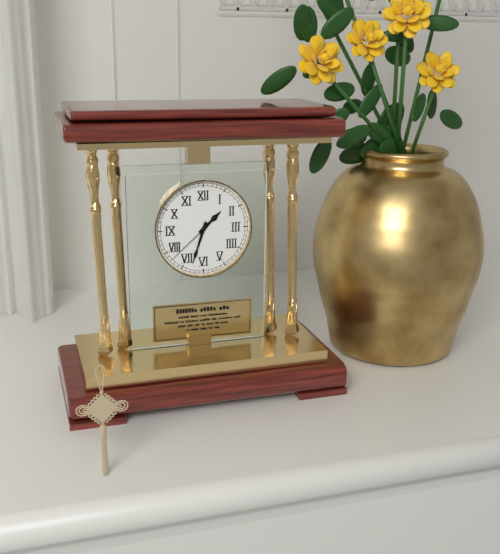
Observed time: 1:33:38
